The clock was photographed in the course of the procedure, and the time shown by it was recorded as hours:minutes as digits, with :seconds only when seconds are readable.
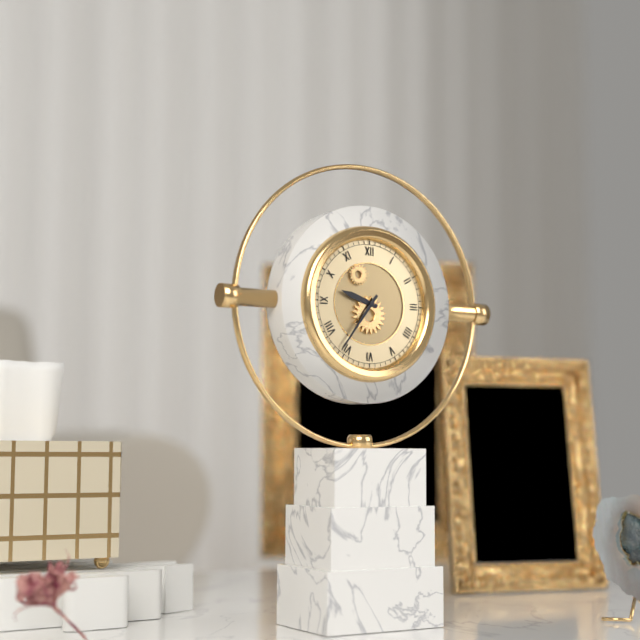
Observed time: 9:36
